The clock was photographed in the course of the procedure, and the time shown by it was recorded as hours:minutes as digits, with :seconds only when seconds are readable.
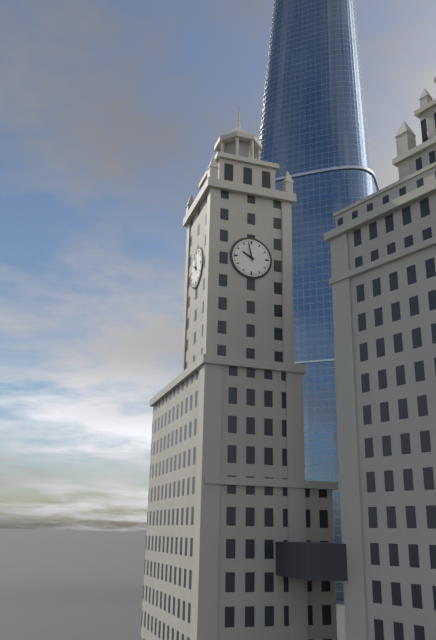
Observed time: 9:58
